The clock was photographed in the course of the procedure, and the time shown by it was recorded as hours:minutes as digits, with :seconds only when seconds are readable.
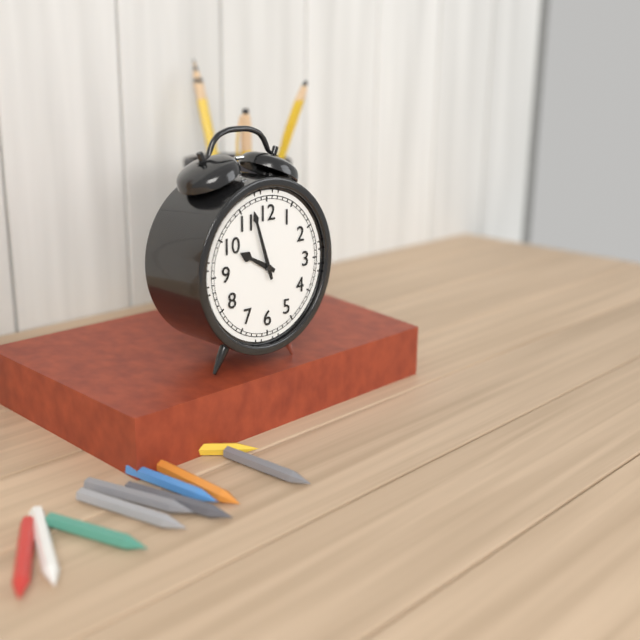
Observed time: 9:57
